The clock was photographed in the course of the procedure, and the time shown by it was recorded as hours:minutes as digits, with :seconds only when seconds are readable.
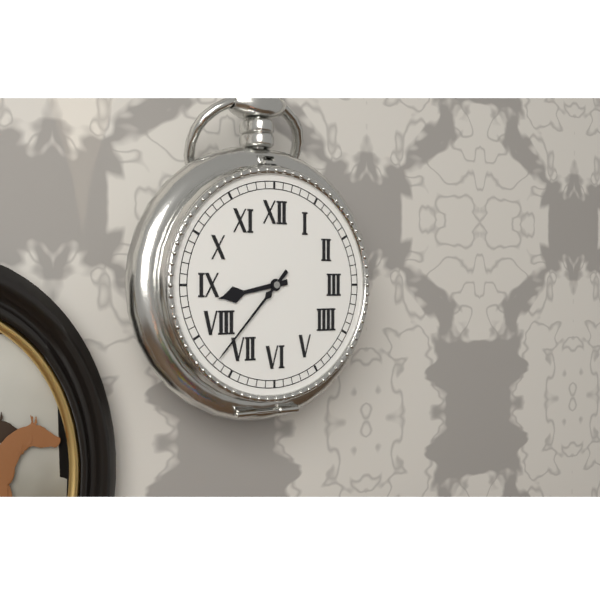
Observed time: 8:37
